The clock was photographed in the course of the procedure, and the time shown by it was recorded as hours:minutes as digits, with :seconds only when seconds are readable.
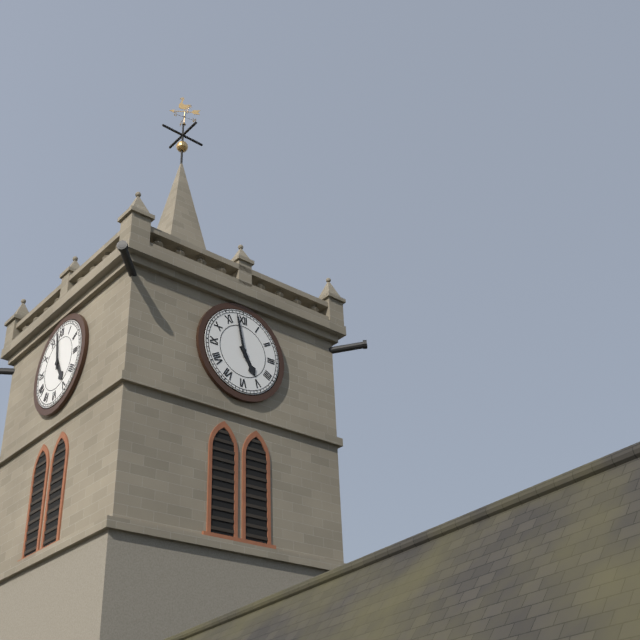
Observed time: 4:58
